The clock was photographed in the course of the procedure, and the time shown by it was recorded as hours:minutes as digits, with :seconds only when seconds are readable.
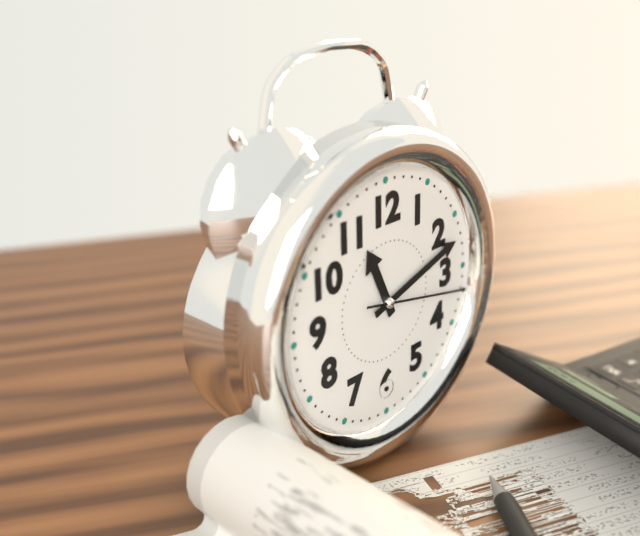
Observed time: 11:12:17
